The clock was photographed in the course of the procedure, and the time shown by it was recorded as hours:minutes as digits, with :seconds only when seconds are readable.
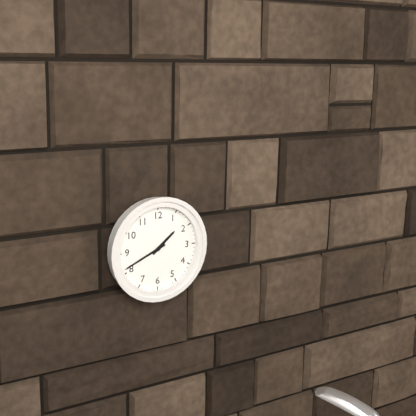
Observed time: 1:41
